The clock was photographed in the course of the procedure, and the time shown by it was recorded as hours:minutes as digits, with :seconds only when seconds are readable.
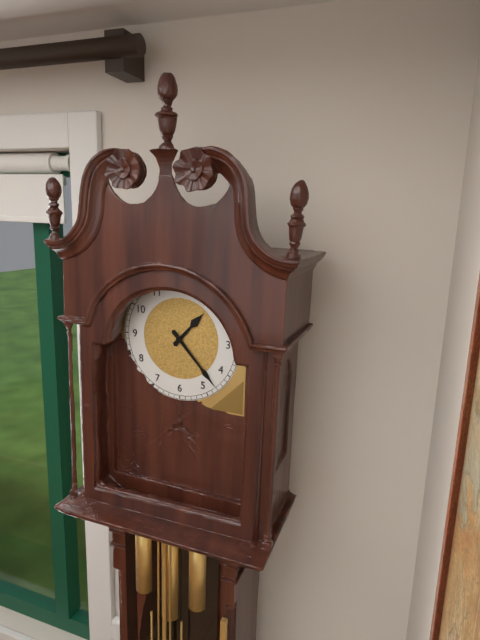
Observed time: 1:23
